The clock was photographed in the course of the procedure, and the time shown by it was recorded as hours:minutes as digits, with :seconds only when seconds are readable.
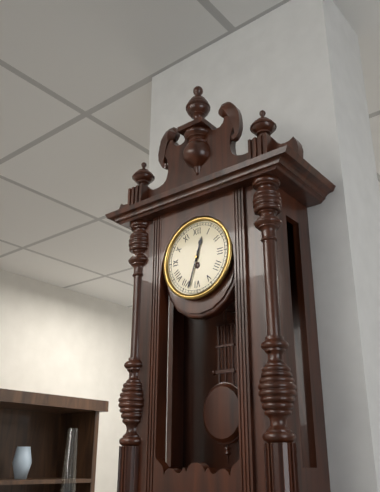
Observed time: 12:33
